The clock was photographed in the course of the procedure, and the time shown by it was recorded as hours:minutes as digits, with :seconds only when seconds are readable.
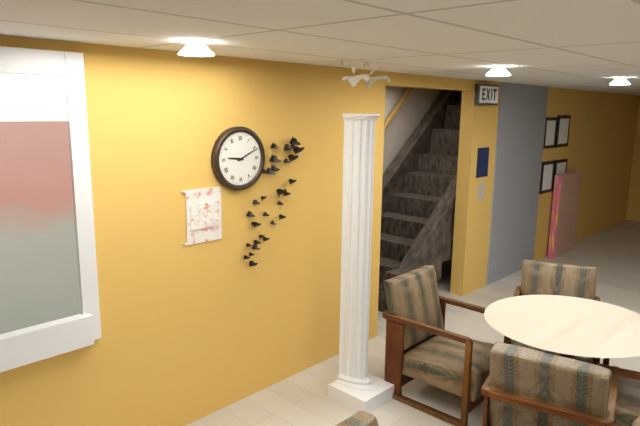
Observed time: 9:11
